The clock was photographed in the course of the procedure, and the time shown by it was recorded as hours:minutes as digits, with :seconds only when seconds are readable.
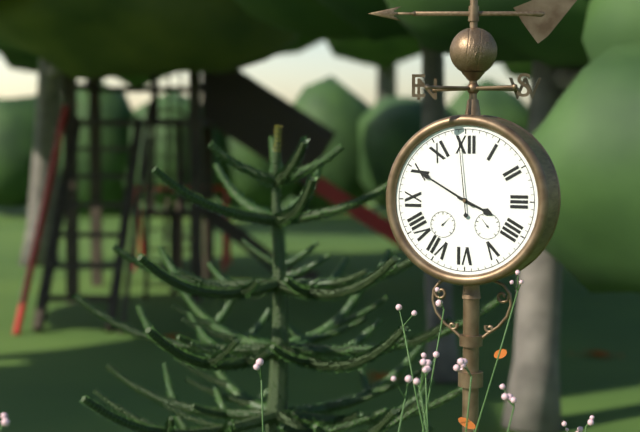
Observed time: 3:50:59
